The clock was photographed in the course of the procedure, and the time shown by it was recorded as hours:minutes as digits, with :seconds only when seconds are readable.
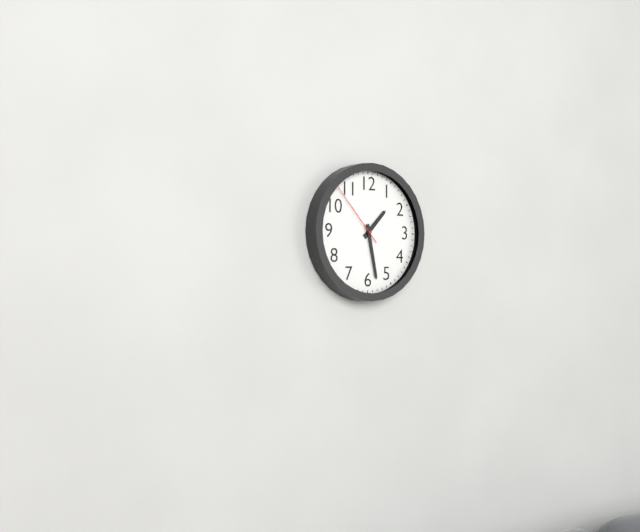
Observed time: 1:28:53
